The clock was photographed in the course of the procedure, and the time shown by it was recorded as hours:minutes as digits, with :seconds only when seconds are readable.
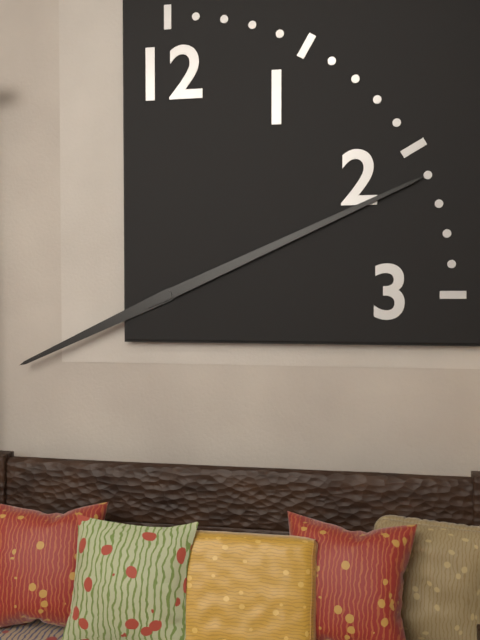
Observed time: 8:11
